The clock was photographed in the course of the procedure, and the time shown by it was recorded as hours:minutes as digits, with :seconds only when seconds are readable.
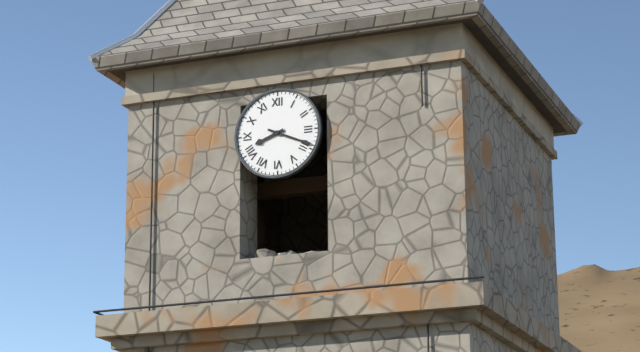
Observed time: 8:19
